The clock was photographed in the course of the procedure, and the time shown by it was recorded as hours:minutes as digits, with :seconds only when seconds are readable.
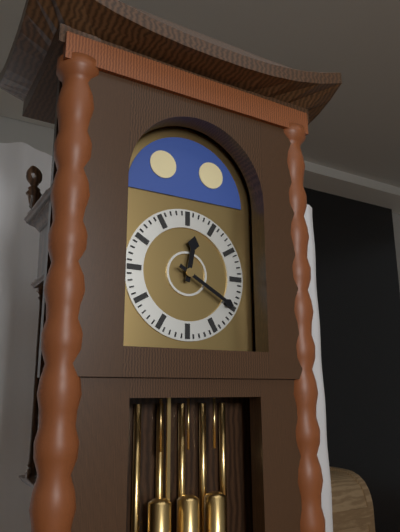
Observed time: 12:20
